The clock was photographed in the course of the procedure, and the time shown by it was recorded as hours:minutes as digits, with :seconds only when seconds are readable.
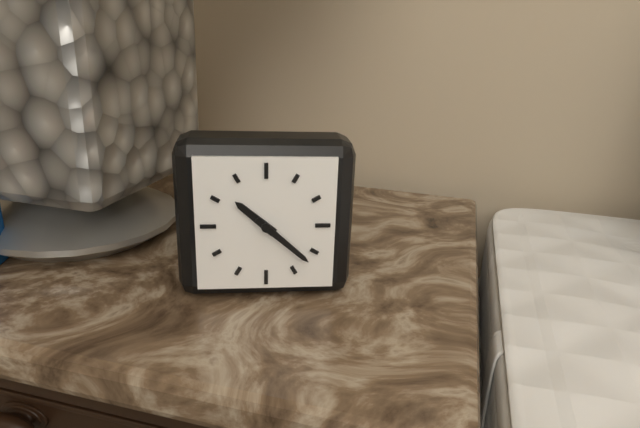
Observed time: 10:22
